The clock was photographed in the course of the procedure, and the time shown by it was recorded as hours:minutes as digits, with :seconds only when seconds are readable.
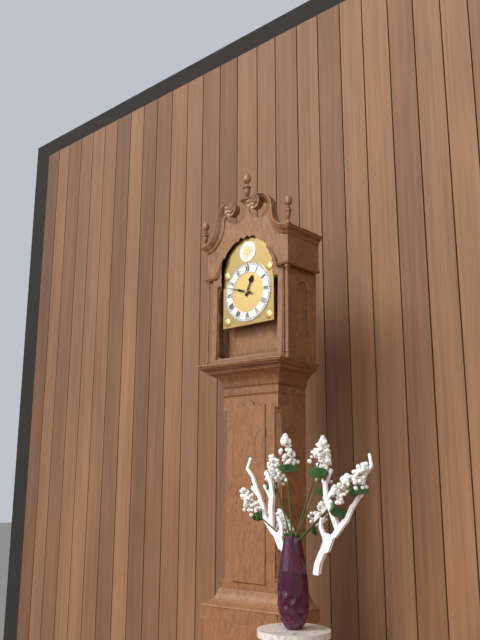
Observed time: 12:48
